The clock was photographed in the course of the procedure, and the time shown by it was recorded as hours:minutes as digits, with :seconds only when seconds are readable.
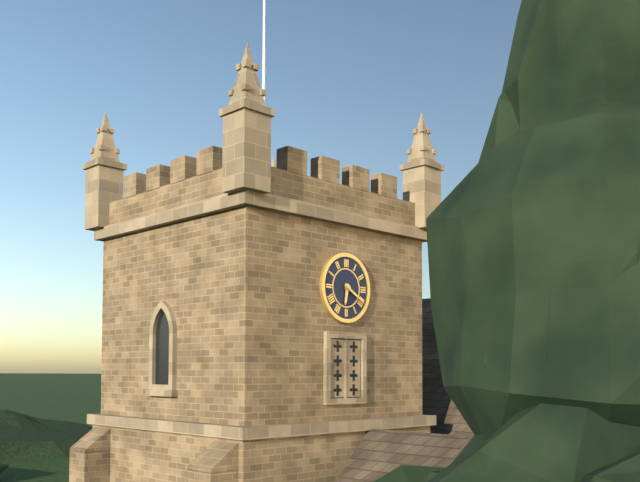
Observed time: 6:20
